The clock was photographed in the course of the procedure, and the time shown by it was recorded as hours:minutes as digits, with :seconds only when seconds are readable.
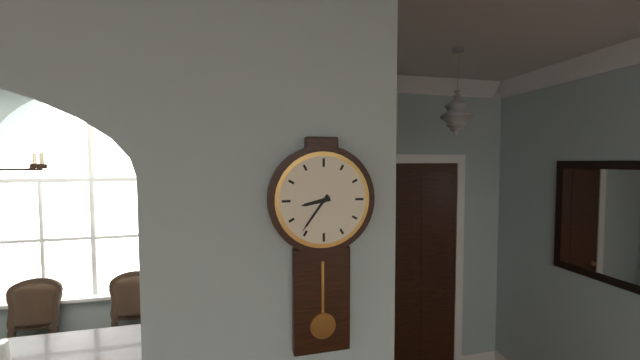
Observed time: 8:36
